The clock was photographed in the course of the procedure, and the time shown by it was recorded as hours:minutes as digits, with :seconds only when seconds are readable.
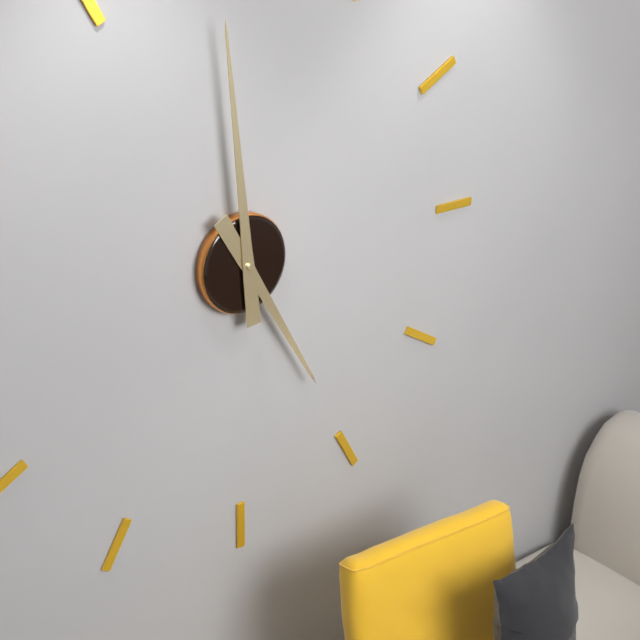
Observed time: 4:59
